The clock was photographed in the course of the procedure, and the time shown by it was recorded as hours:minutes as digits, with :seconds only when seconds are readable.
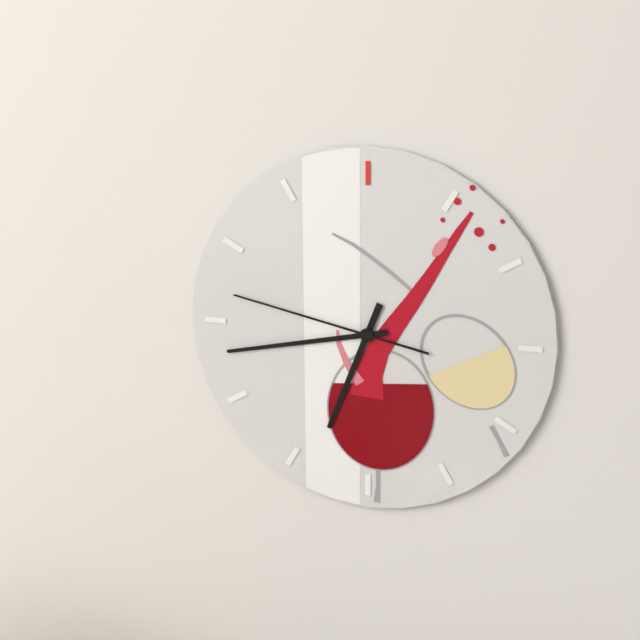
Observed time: 6:43:47
